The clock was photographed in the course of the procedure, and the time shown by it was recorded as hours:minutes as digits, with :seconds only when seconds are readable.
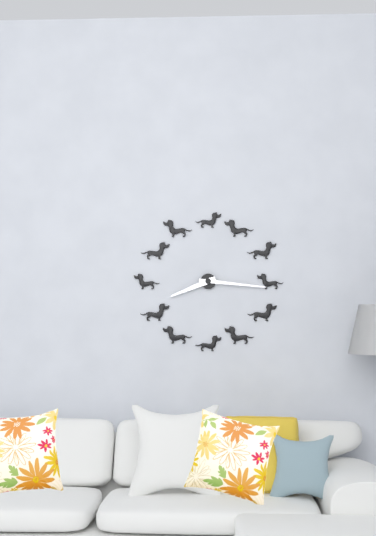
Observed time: 8:16
